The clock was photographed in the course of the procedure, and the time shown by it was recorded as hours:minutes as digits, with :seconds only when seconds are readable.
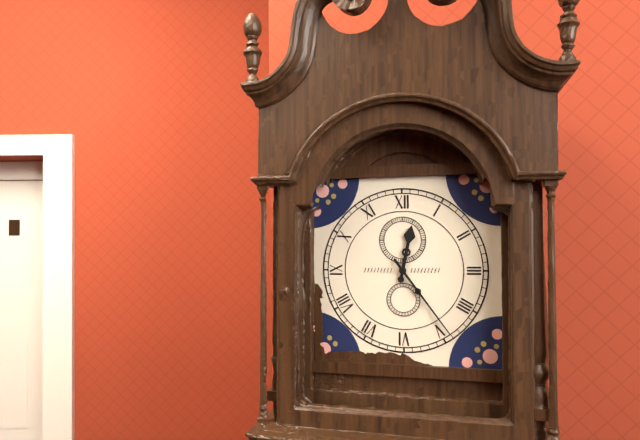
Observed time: 12:24
